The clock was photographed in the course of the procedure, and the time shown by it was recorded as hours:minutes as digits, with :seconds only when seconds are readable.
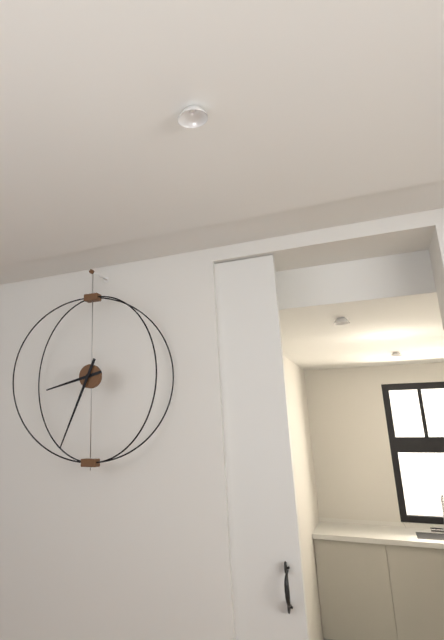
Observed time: 8:34
